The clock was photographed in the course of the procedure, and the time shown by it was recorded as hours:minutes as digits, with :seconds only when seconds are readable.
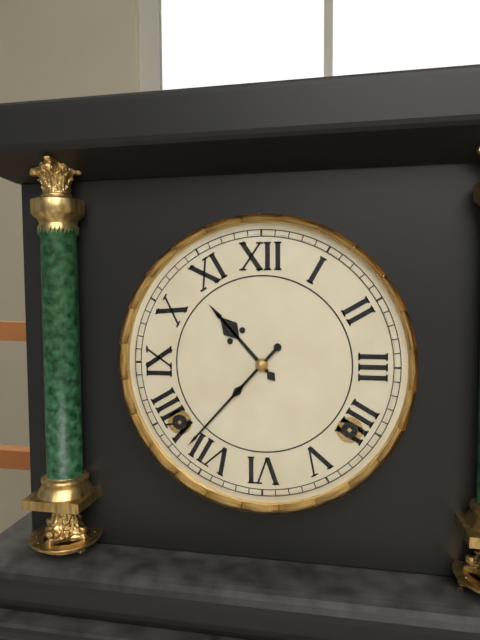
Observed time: 10:37
